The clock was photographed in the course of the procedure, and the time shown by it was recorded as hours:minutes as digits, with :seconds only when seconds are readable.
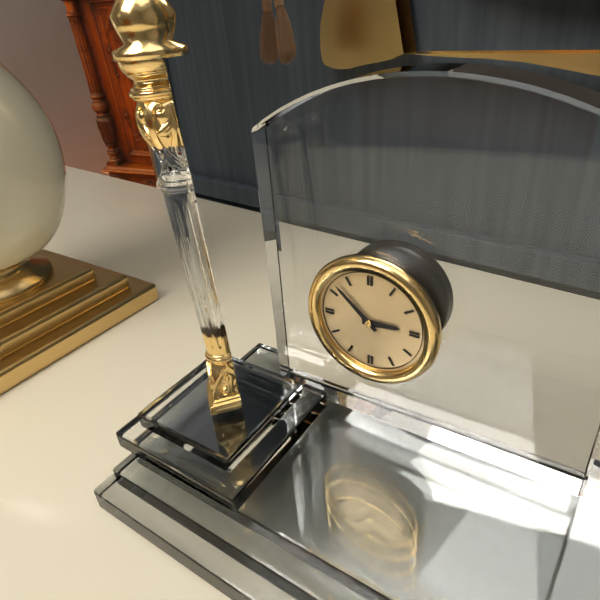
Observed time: 2:52
